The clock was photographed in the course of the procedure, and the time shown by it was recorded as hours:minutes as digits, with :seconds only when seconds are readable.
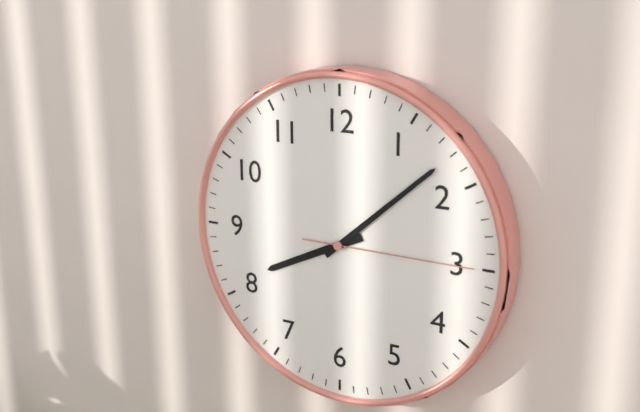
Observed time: 8:08:15
